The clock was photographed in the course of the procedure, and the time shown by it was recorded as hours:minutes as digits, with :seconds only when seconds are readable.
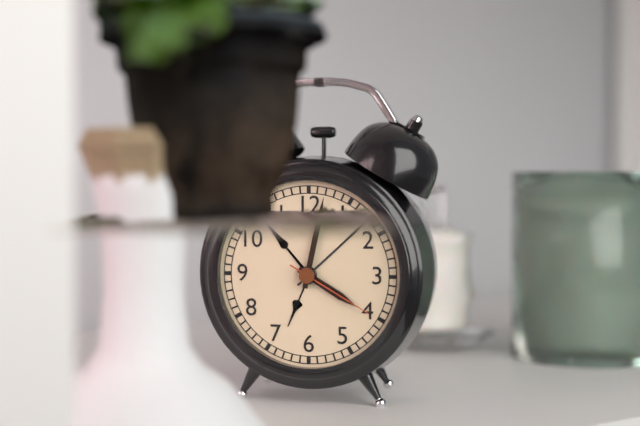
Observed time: 4:02:20
